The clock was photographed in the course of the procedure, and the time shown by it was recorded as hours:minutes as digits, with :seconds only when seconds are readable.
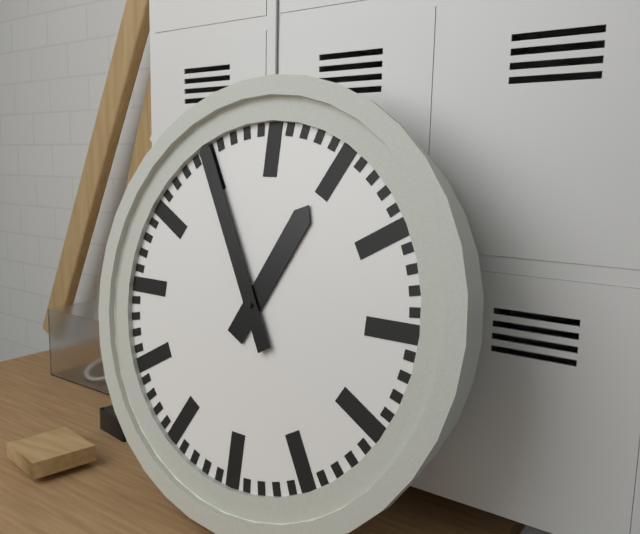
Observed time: 12:55
